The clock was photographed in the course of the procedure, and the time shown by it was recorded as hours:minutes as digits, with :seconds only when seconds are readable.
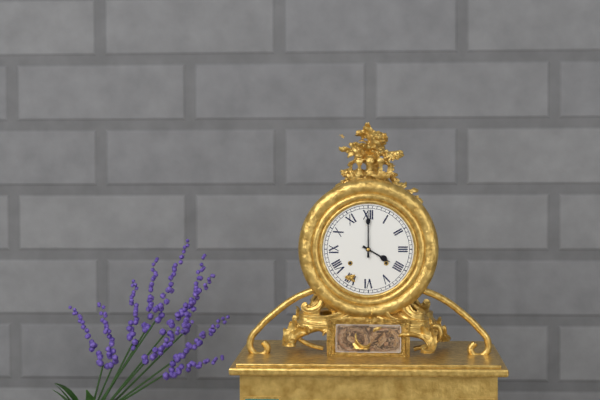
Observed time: 4:00
